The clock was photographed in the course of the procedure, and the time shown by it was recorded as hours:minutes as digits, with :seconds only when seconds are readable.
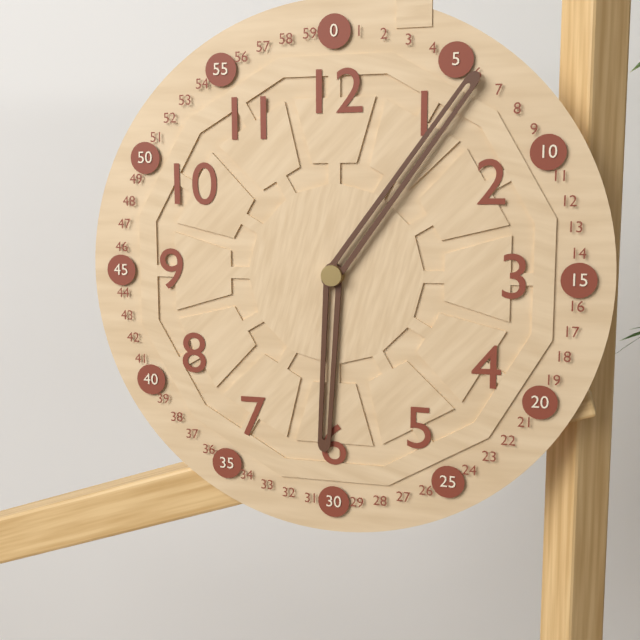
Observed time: 6:06
